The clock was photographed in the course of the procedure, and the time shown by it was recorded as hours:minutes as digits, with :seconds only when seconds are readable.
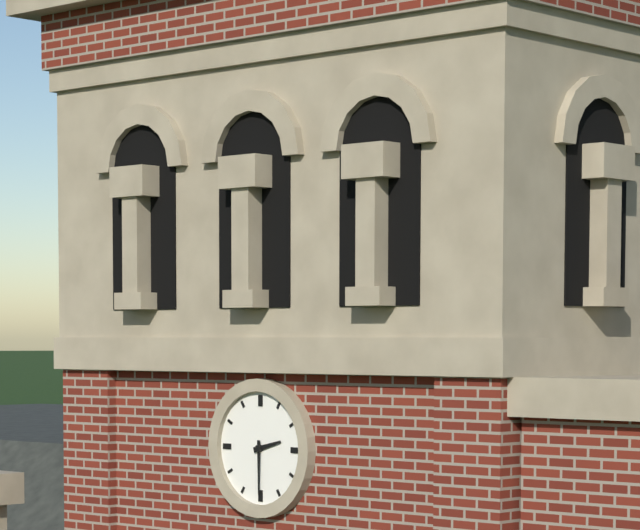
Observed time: 2:30
